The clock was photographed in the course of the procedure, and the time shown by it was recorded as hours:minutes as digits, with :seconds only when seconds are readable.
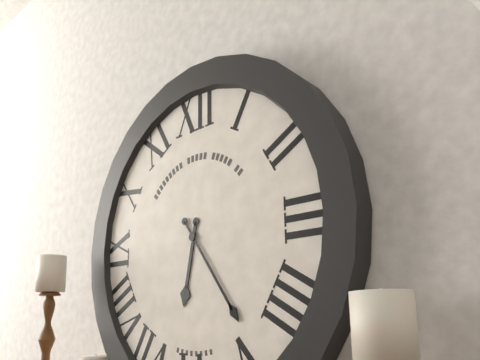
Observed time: 6:24
